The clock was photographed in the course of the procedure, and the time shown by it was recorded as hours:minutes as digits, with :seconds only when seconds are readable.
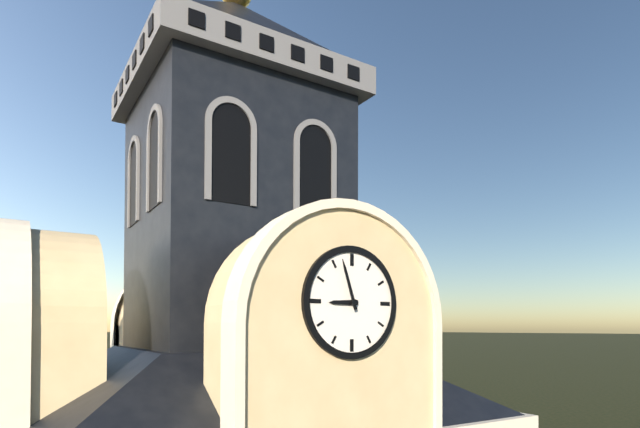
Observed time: 8:57
